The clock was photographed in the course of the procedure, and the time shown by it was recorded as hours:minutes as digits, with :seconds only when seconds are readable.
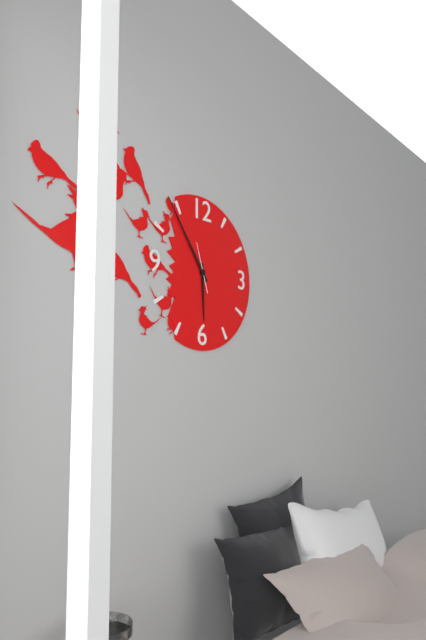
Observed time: 5:54
